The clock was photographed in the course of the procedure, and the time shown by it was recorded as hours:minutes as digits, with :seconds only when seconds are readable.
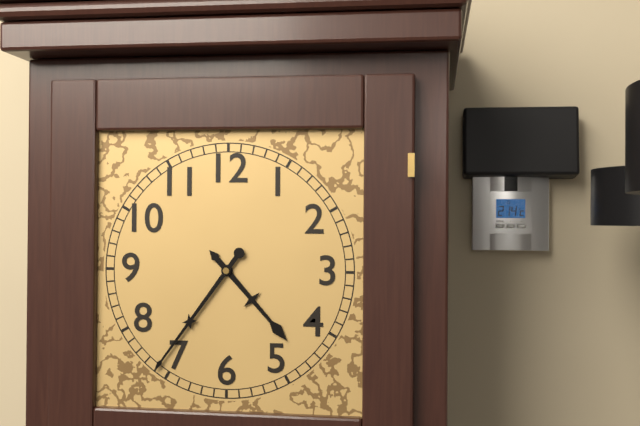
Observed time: 4:36
